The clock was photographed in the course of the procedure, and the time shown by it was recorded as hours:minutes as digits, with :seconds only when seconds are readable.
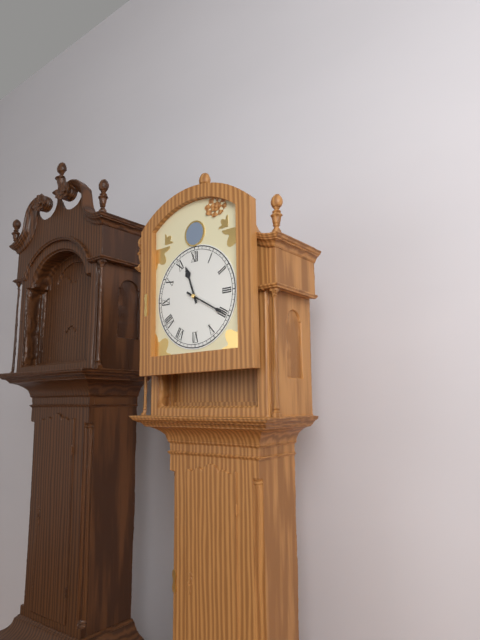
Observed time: 11:20
